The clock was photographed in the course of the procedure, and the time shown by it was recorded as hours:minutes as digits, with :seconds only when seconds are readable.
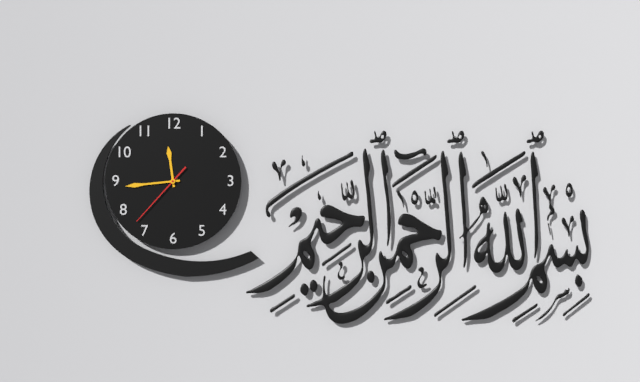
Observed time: 11:44:37
